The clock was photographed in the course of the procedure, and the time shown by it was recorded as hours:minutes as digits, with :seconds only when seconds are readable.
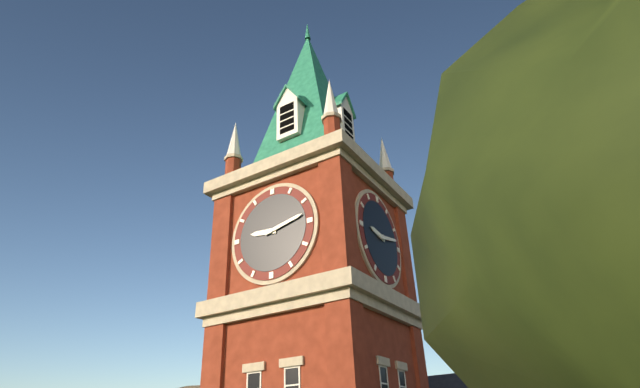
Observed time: 9:13
